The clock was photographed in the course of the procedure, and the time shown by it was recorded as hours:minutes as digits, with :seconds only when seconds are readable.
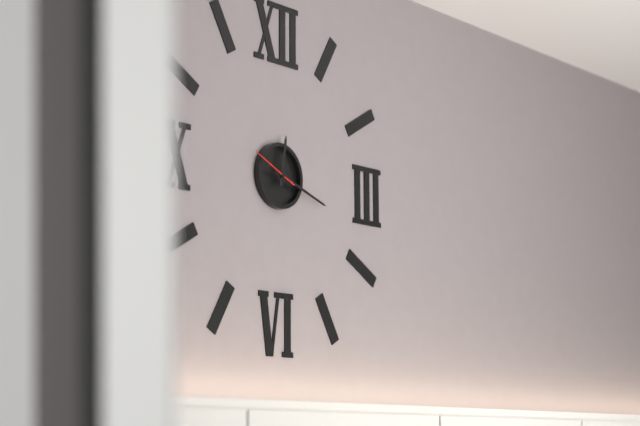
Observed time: 12:18
